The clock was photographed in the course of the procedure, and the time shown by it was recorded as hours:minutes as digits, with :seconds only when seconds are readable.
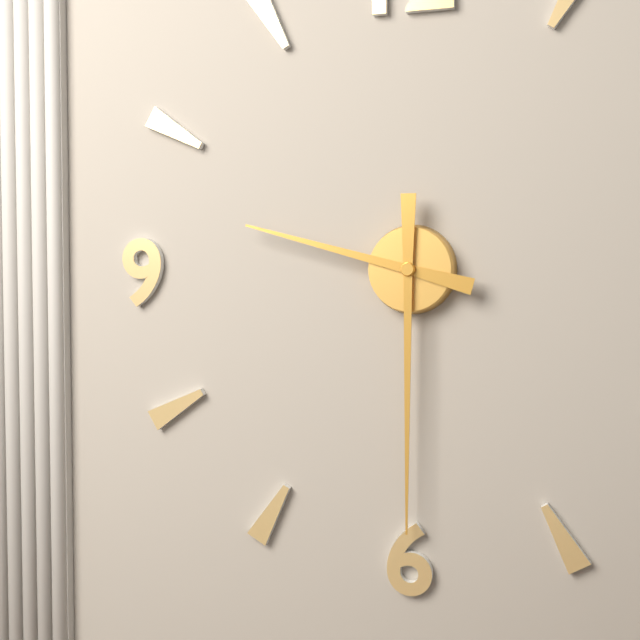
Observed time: 9:30
